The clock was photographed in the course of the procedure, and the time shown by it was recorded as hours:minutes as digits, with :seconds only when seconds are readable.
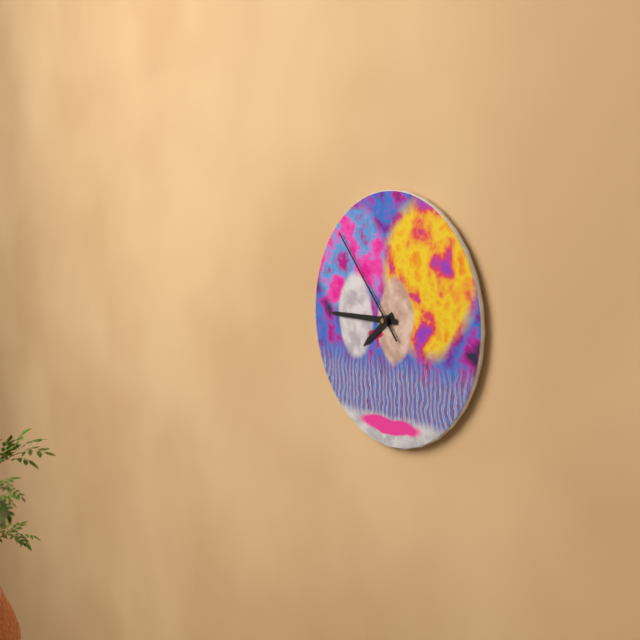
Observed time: 7:45:53
